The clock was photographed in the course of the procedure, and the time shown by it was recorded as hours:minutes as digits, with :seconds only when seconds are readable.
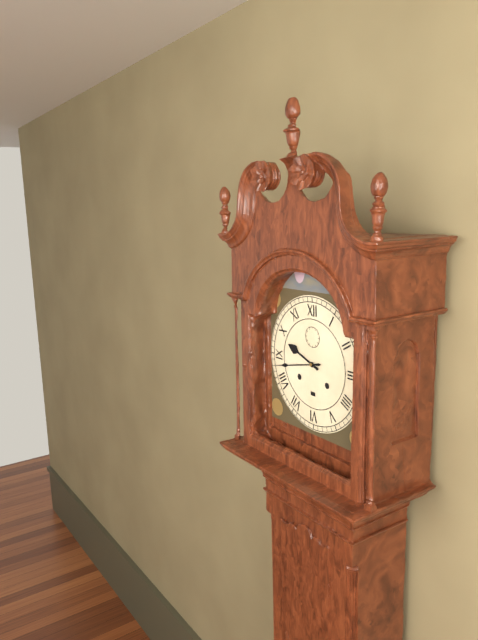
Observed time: 9:43
